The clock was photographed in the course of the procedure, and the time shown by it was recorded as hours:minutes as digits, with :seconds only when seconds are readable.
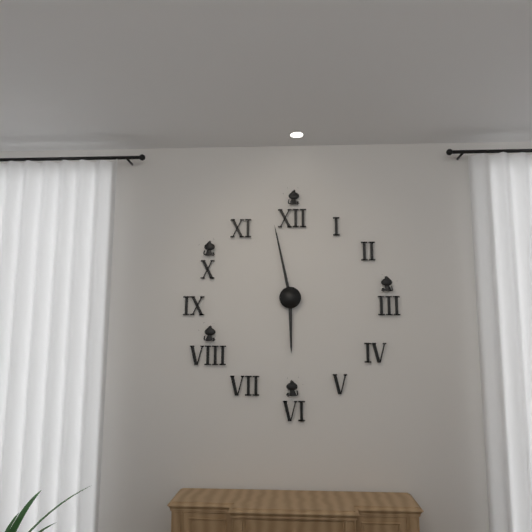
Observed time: 5:58
